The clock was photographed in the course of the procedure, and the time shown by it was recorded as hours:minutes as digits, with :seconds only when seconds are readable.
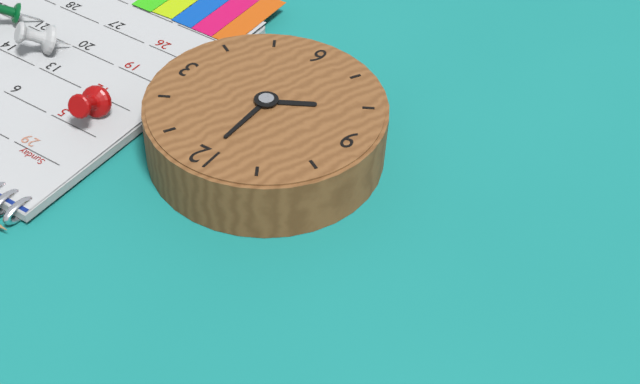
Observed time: 8:00
